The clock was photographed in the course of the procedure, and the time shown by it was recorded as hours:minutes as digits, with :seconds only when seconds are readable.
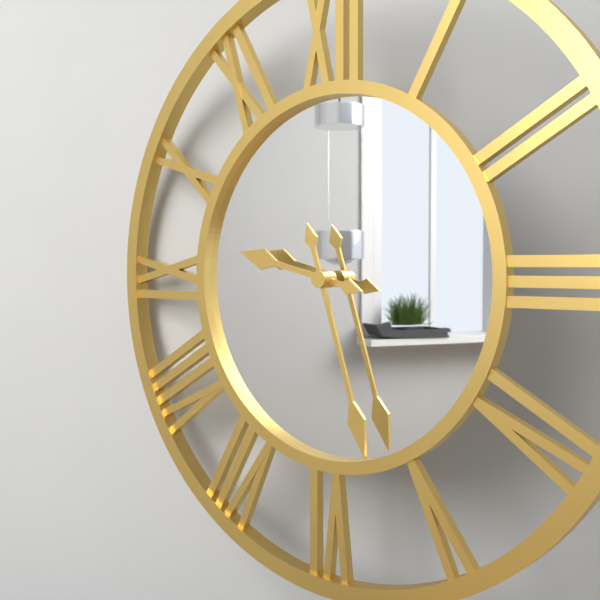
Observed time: 9:27
